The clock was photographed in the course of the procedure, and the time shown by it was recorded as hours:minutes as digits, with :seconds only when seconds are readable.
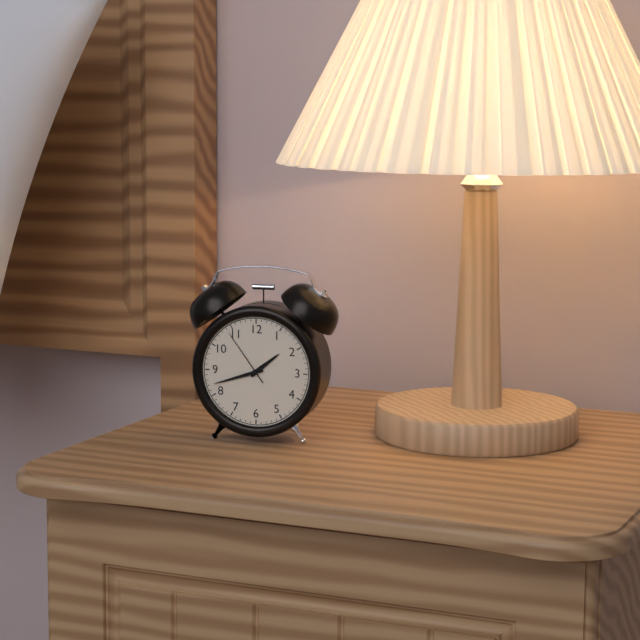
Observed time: 1:42:54
